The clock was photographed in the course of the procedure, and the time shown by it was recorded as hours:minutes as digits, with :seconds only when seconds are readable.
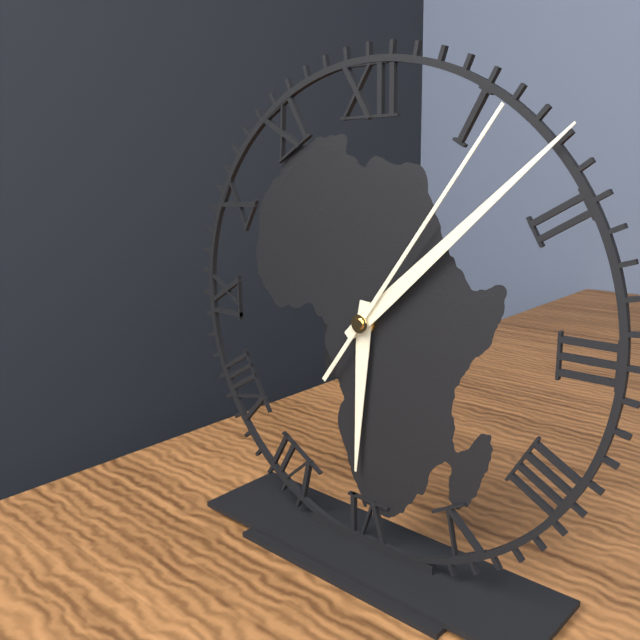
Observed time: 6:08:06
